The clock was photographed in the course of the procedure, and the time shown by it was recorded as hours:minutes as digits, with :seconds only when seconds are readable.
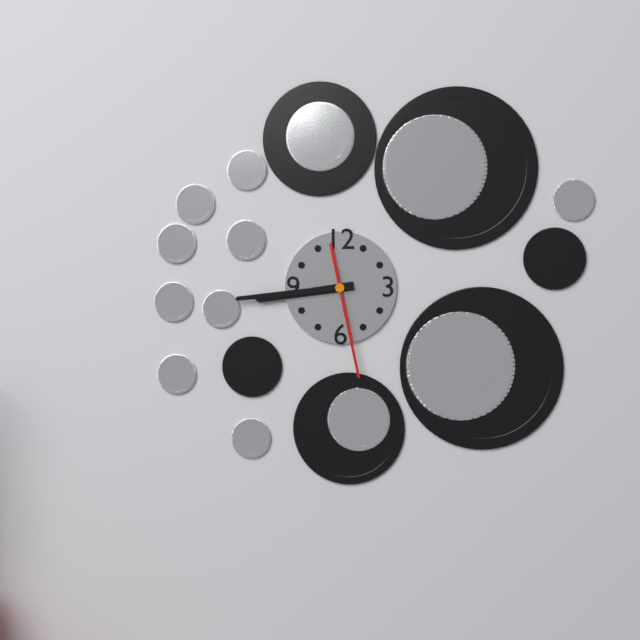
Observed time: 8:44:28
